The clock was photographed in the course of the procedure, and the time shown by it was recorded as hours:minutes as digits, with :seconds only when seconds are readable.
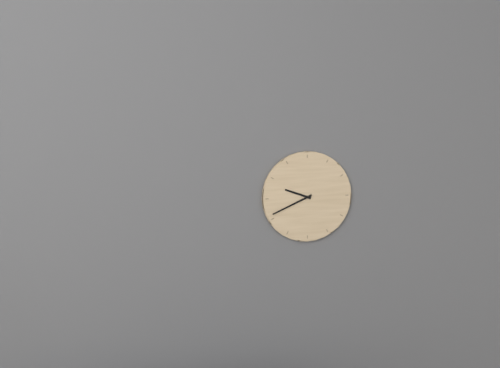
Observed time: 9:41
